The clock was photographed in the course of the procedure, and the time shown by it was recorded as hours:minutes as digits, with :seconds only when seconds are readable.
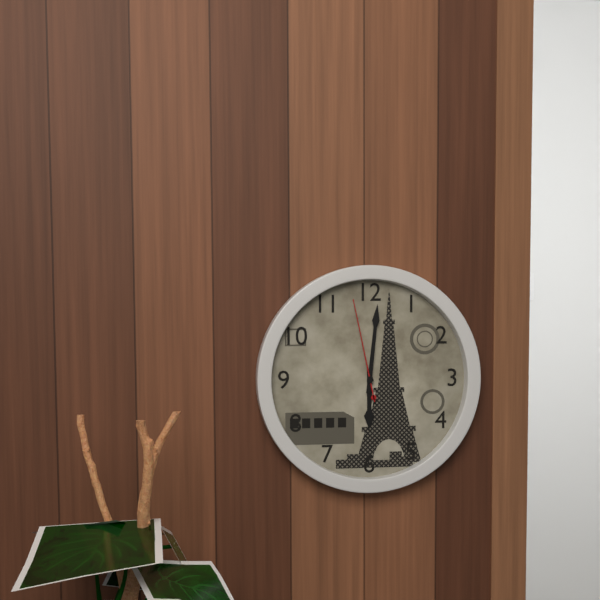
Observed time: 6:01:58
